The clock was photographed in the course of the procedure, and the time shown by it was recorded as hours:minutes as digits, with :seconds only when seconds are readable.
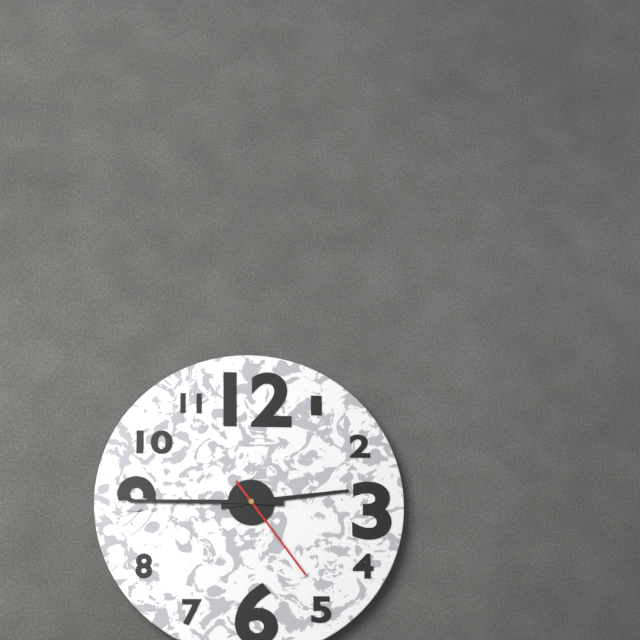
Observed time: 2:45:24
